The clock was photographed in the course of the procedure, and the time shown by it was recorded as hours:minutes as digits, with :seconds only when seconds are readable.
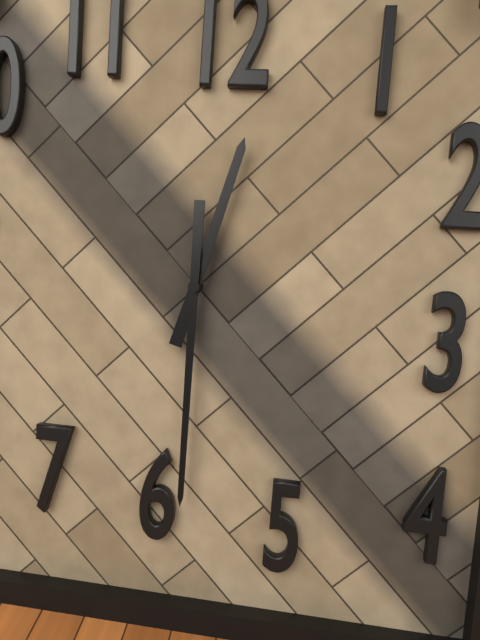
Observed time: 12:30
